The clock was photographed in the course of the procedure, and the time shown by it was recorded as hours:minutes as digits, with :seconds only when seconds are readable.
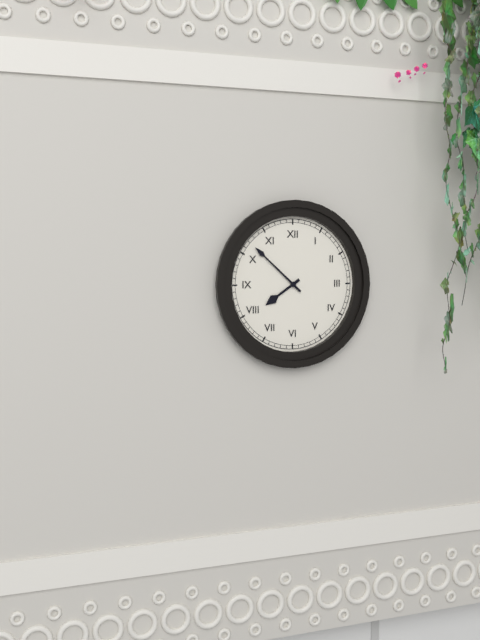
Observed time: 7:52
